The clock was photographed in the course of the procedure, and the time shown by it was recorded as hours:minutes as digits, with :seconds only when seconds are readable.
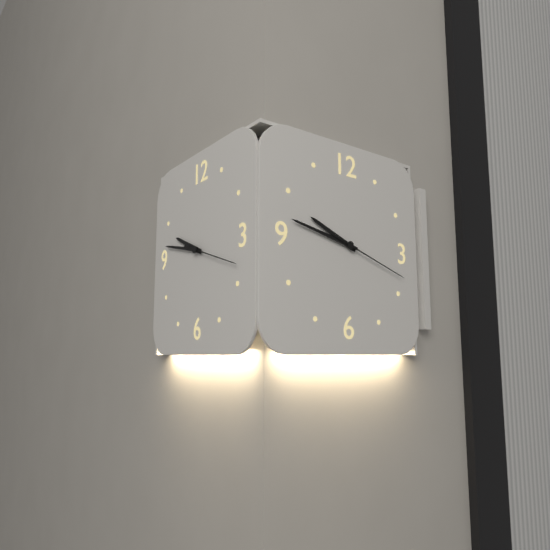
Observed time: 9:47:18
